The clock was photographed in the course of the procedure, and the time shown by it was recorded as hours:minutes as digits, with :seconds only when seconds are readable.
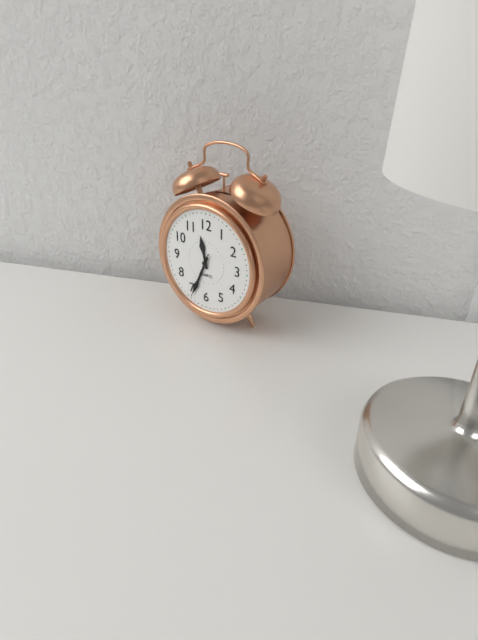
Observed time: 11:34
